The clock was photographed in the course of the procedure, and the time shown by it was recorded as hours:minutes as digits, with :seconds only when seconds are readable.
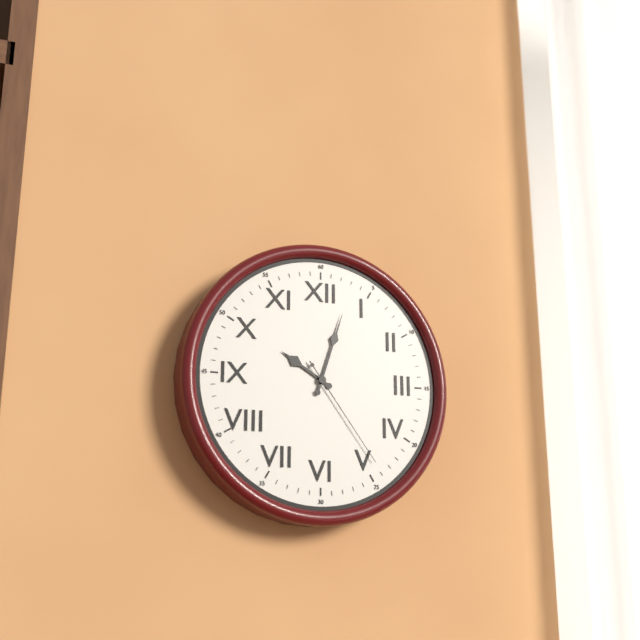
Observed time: 10:03:24
